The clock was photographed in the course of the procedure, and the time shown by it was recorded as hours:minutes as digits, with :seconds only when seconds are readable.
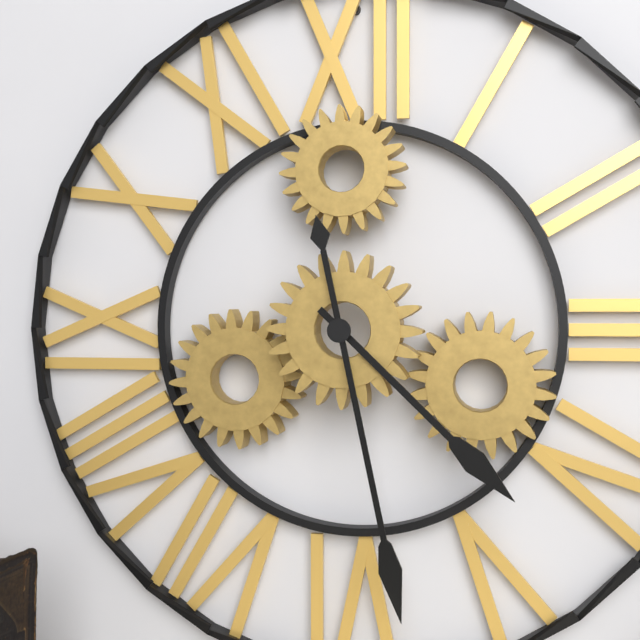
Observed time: 4:28
